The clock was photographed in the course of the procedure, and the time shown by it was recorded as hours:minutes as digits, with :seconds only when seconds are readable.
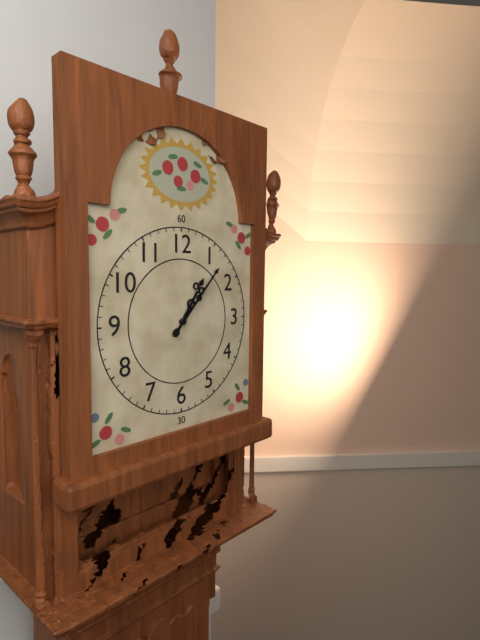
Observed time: 1:07
